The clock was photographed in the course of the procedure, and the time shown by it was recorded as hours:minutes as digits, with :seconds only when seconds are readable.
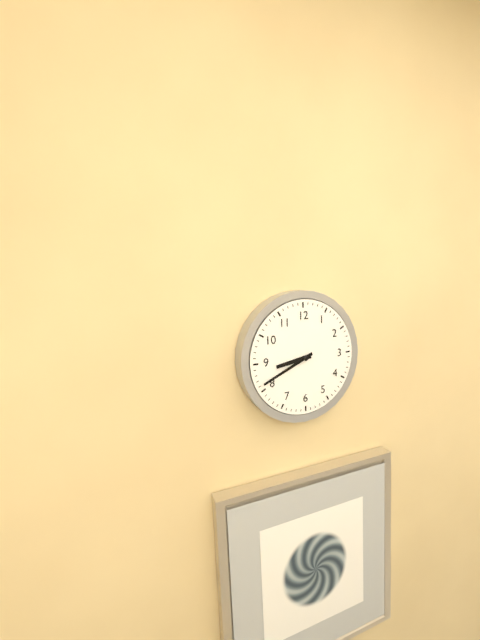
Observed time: 8:41
